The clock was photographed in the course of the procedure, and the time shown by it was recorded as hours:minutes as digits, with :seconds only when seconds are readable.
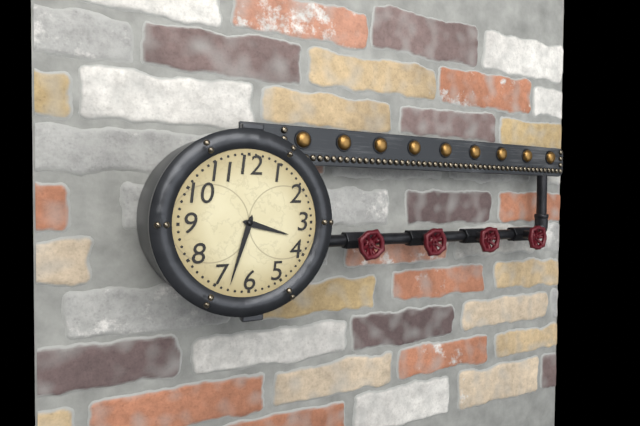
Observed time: 3:33
